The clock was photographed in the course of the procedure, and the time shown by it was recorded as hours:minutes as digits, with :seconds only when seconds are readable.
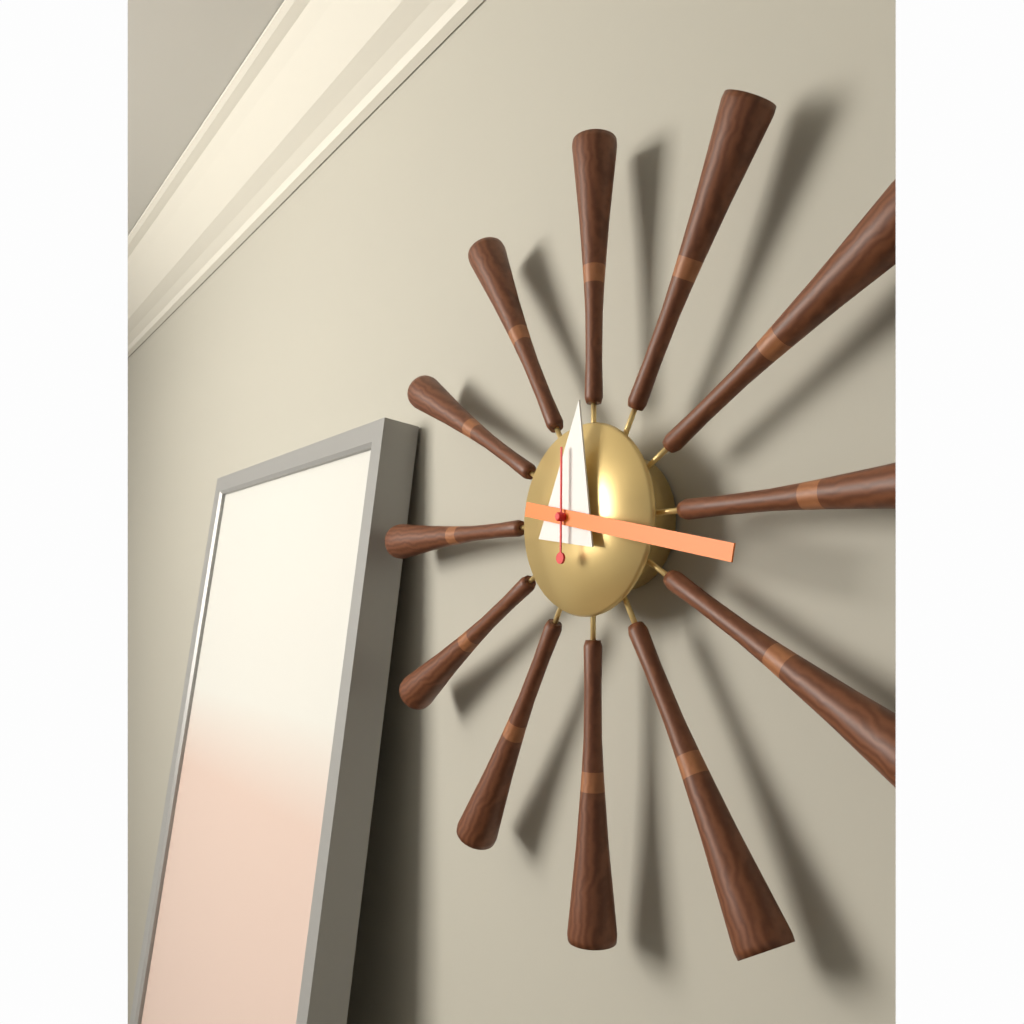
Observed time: 12:17:00
